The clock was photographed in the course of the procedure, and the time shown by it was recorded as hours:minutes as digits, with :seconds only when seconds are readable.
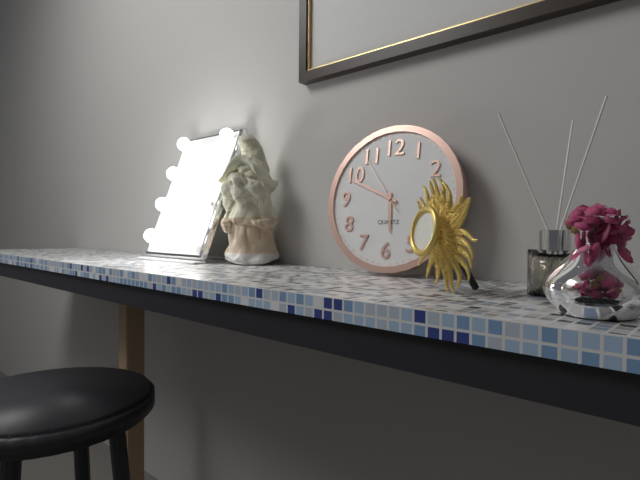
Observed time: 5:49:54
